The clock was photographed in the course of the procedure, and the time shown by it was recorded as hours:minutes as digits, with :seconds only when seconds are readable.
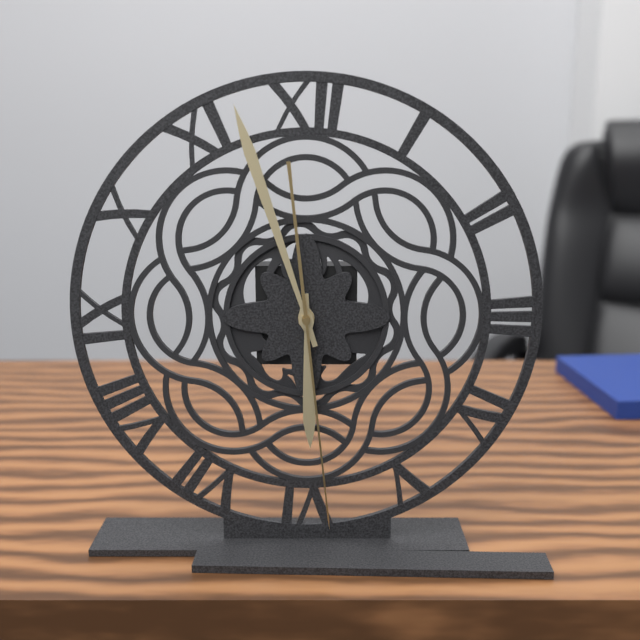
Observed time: 5:57:29
